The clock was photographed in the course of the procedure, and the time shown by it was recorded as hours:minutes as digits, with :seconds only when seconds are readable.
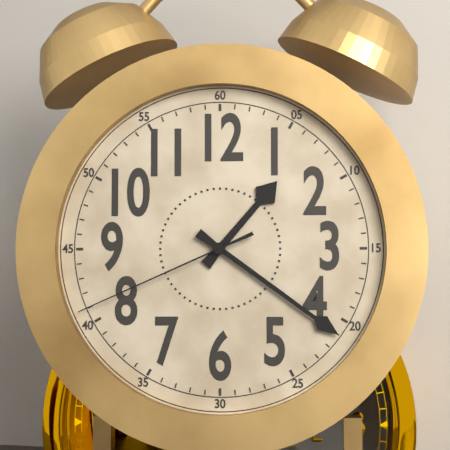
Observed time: 1:21:41
